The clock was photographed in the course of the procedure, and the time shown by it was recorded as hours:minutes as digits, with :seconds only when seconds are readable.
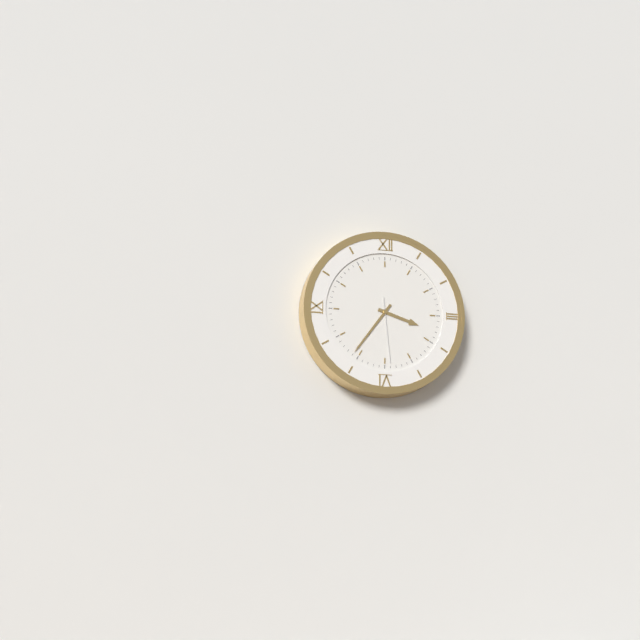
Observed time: 3:36:29
